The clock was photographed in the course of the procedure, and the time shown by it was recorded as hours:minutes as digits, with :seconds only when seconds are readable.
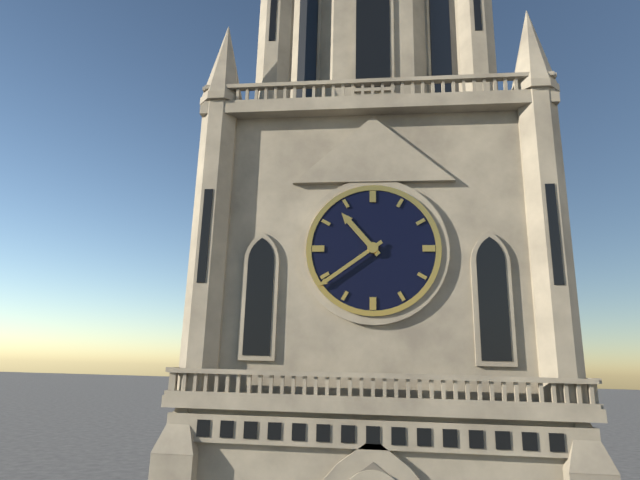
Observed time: 10:39
